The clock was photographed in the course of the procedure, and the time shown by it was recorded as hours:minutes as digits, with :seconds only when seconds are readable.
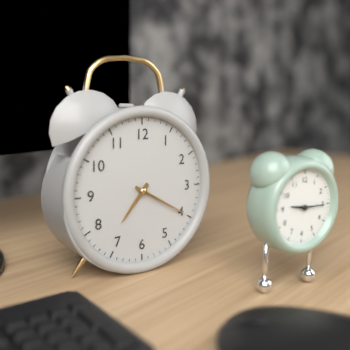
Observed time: 7:20
